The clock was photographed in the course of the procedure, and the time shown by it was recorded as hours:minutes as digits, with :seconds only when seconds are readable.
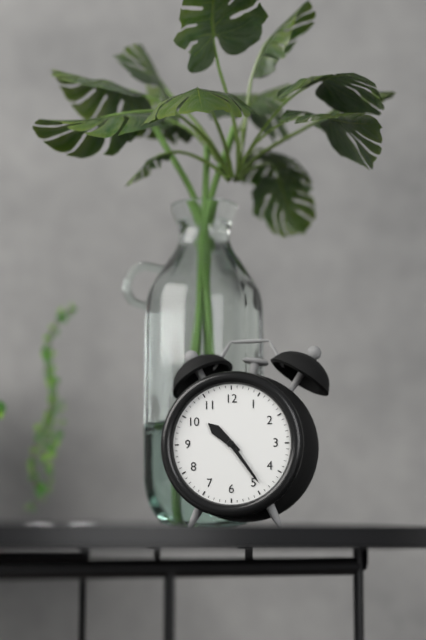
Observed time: 10:24
